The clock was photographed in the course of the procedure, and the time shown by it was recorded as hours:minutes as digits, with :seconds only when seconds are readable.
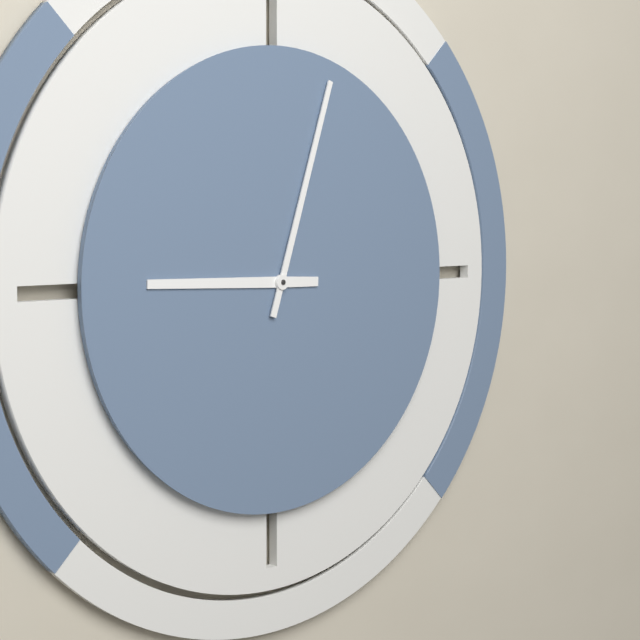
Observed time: 9:03
